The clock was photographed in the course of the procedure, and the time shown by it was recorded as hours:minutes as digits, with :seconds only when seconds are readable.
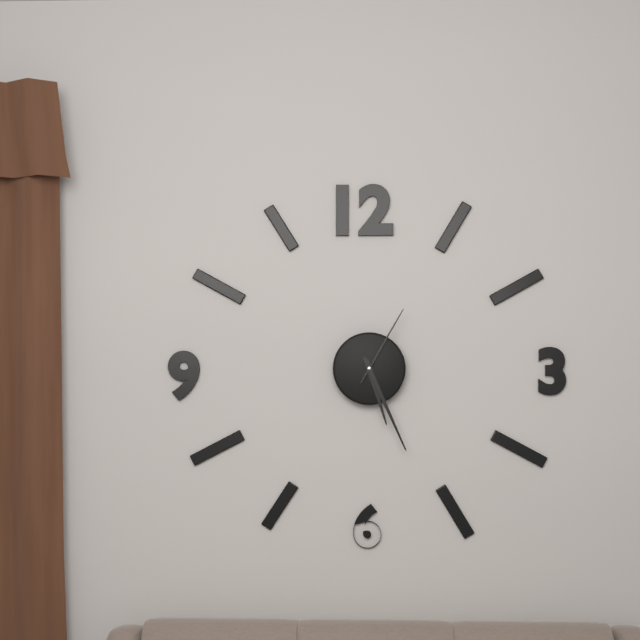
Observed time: 5:26:05
